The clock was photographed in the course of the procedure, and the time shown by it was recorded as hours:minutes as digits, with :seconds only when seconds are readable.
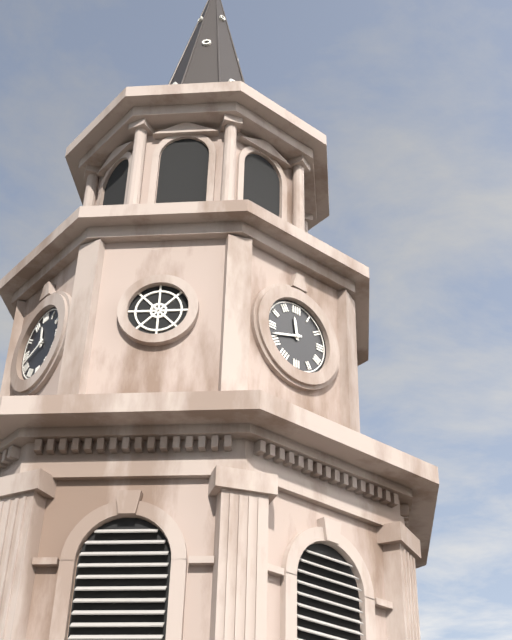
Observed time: 11:42
